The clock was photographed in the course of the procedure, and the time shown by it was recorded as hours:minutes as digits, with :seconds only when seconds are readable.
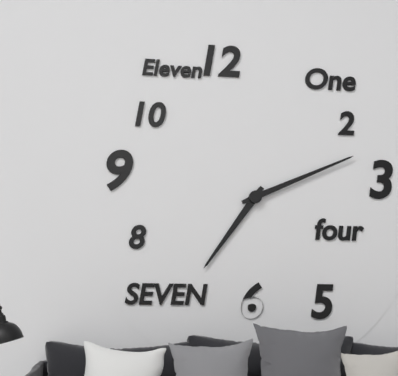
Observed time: 7:11
